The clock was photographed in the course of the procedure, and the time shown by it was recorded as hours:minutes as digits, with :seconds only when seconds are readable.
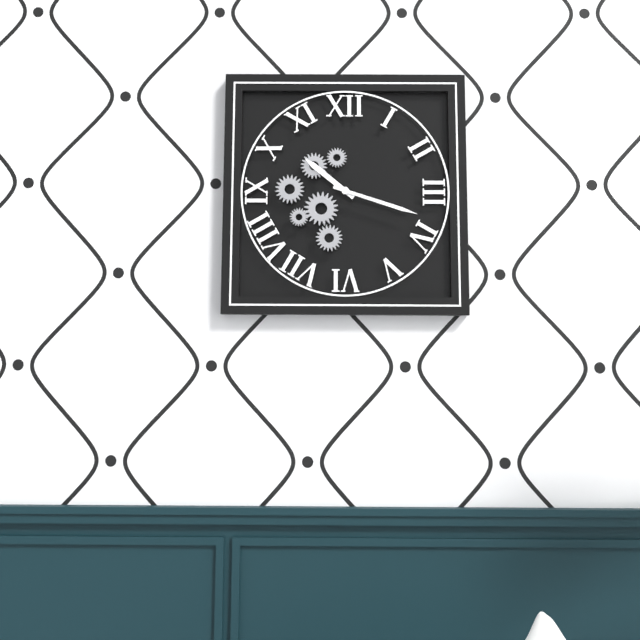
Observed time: 10:18
